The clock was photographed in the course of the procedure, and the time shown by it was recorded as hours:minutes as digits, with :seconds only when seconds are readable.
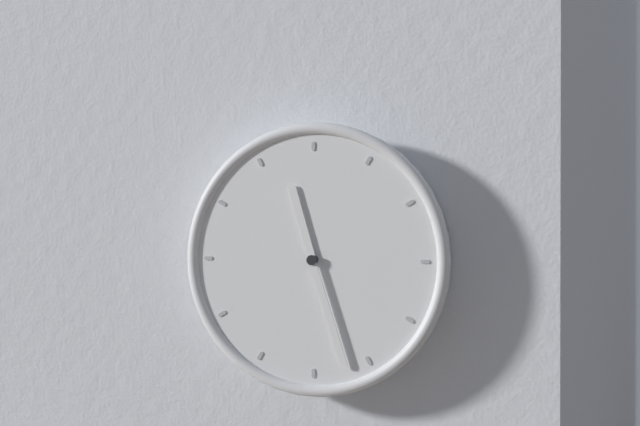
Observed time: 11:27
